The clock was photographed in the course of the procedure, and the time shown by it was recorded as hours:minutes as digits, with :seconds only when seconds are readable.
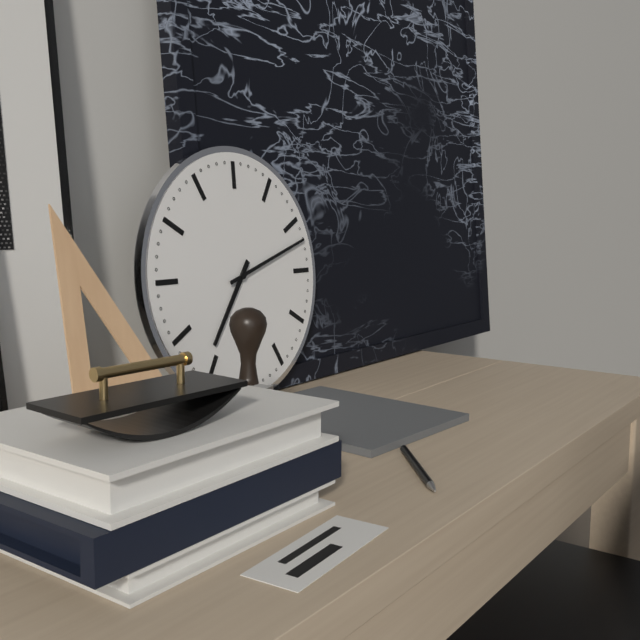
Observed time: 7:12
